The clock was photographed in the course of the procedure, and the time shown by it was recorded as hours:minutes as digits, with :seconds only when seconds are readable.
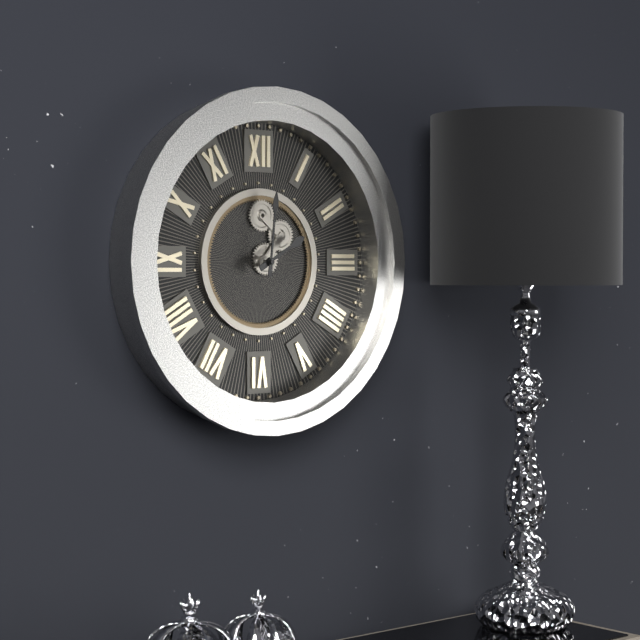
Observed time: 2:01
